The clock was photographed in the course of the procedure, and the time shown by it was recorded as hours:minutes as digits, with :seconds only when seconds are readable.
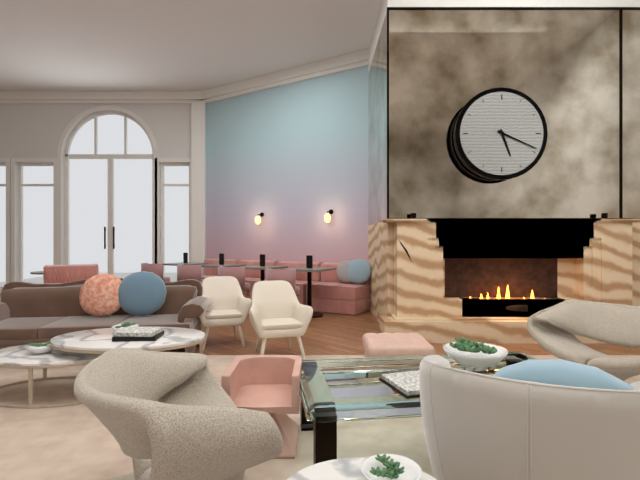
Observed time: 5:19
